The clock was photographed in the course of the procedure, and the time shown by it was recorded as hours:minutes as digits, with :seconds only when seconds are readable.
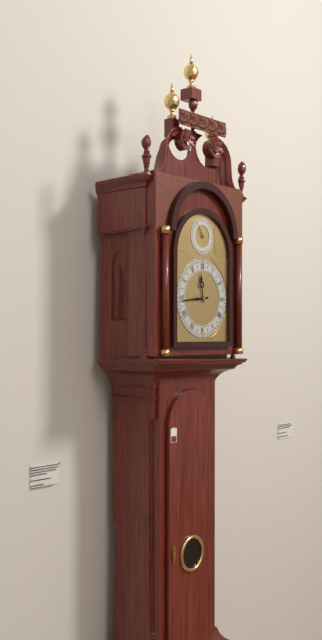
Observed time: 11:44
